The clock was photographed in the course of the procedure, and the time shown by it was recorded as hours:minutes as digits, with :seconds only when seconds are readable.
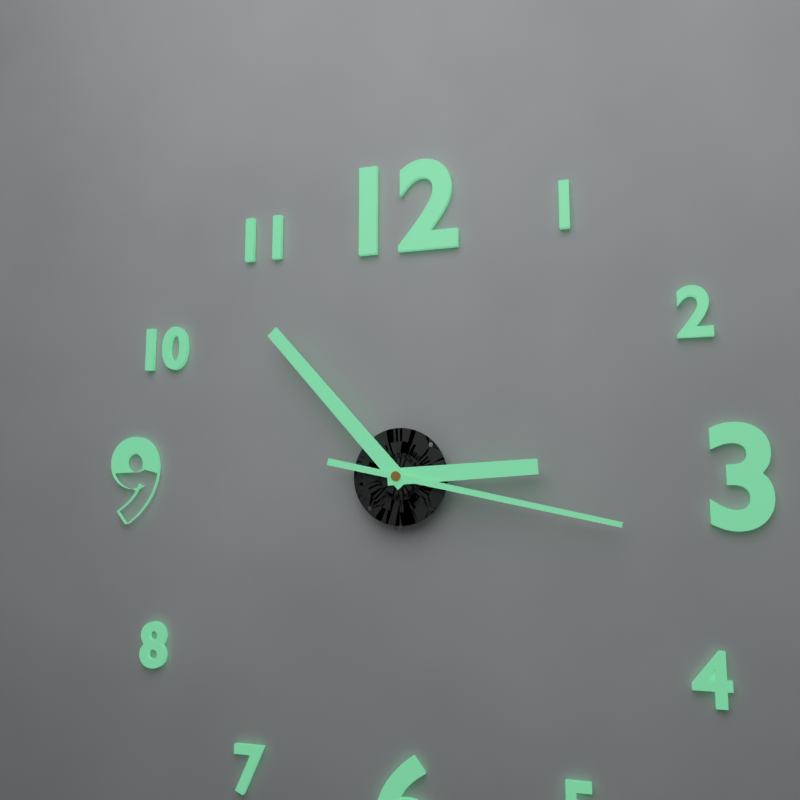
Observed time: 2:53:17
